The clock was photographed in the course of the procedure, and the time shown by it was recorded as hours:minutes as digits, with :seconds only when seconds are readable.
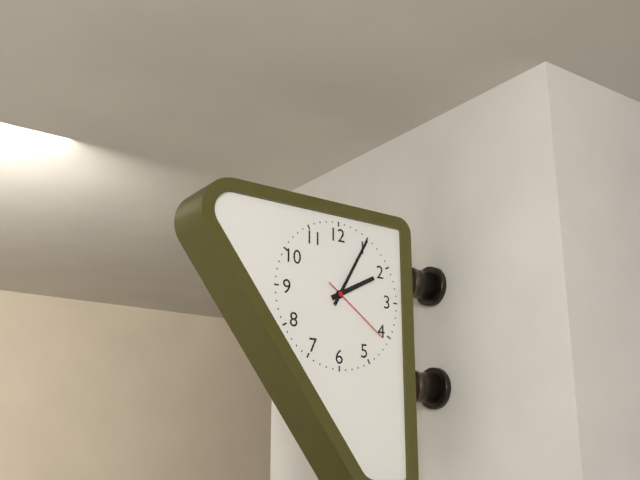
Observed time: 2:05:21
